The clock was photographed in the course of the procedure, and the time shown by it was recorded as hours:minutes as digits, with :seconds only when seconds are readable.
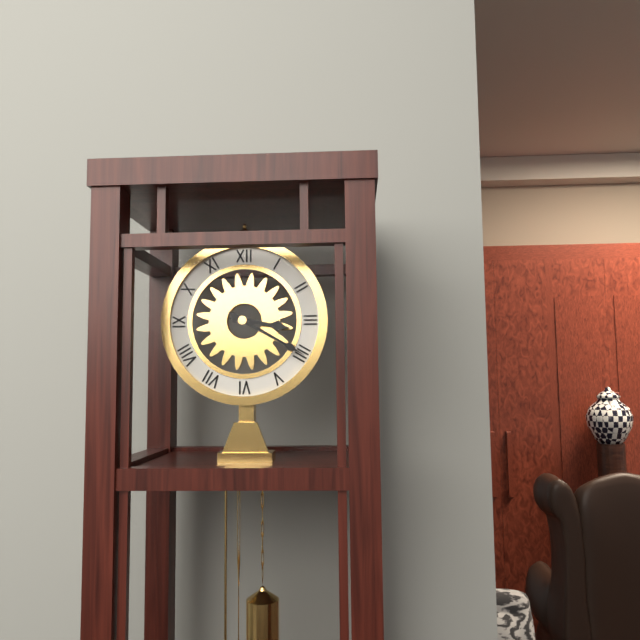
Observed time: 3:20
